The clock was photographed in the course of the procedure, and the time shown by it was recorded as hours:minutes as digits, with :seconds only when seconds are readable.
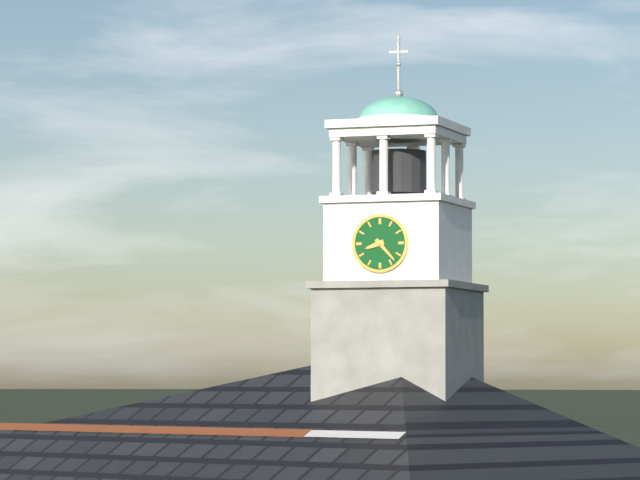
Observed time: 8:23
